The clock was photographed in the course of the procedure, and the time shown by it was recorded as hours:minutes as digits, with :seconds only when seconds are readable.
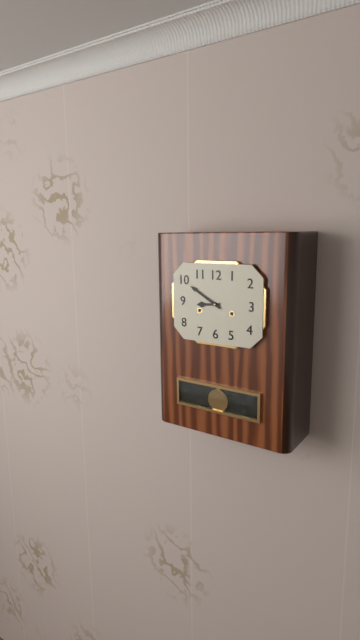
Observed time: 8:50
